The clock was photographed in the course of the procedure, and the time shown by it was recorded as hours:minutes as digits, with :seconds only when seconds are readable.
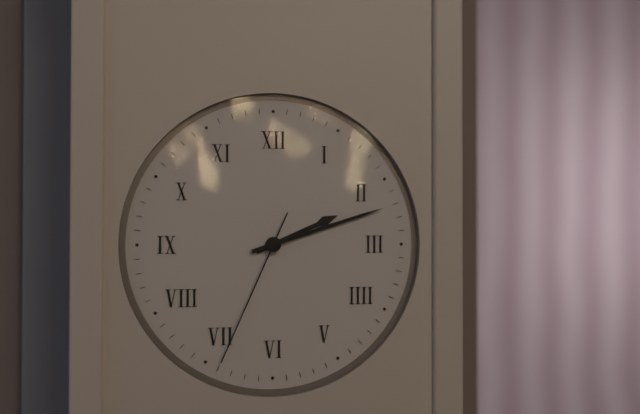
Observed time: 2:12:34
